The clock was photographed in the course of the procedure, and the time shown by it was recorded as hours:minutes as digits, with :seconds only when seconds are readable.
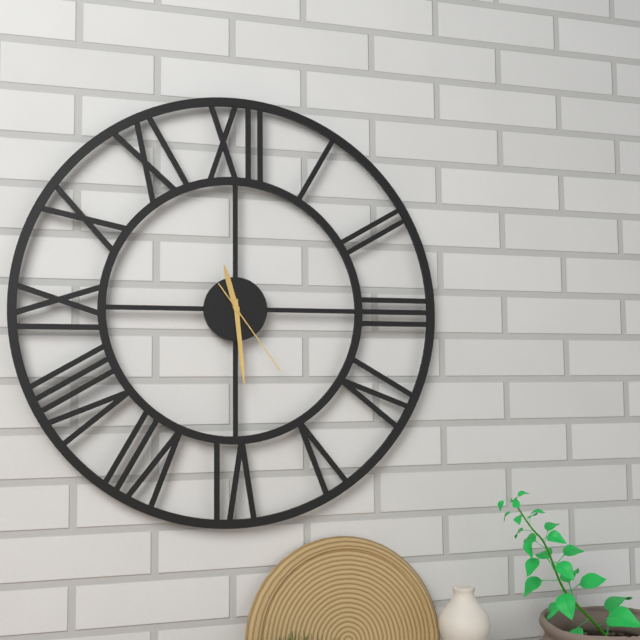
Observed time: 11:29:24
